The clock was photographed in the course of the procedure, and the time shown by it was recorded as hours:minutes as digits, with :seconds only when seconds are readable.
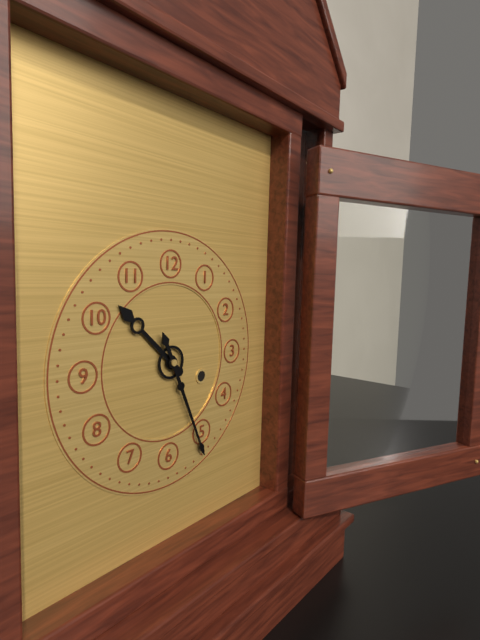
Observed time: 10:26
